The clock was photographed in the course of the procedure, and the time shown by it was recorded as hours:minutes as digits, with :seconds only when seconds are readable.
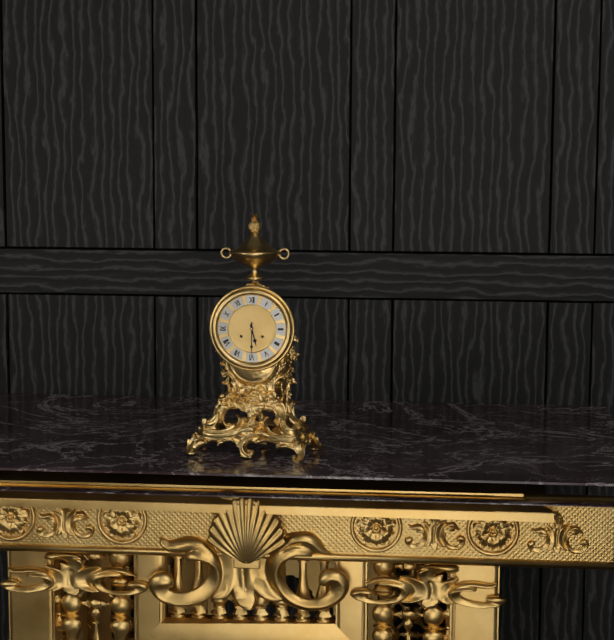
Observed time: 5:30
